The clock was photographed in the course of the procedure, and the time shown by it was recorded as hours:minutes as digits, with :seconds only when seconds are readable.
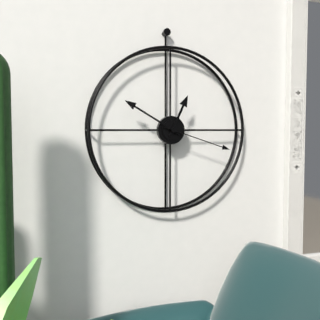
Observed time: 12:50:18
